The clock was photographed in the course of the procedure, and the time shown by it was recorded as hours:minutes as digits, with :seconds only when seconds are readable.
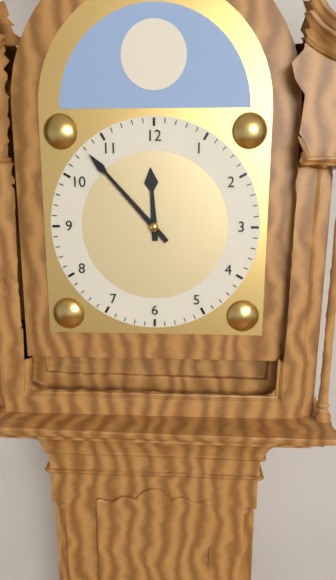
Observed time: 11:53
